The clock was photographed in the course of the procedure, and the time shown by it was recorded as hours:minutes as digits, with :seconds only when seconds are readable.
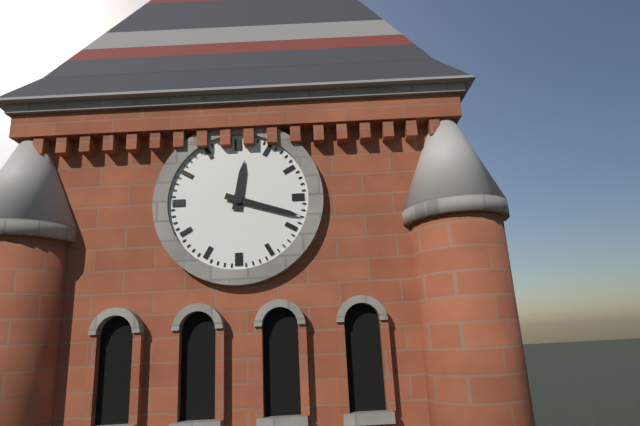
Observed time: 12:18
